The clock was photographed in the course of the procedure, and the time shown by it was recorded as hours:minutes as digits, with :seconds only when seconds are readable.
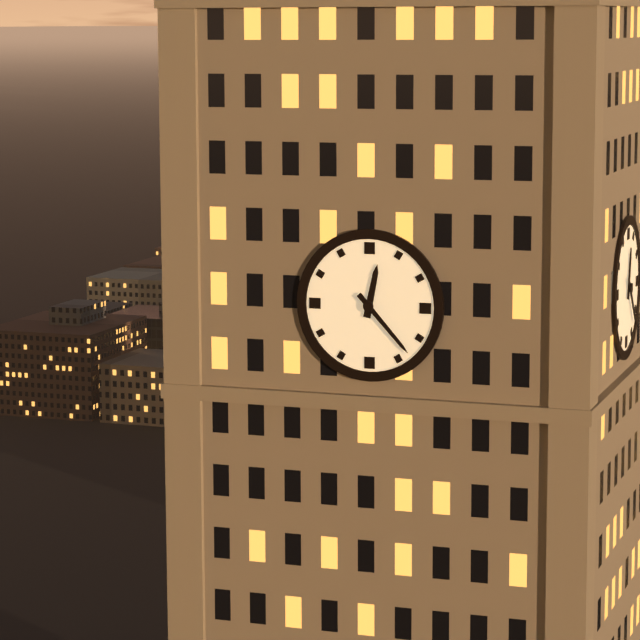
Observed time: 12:23
